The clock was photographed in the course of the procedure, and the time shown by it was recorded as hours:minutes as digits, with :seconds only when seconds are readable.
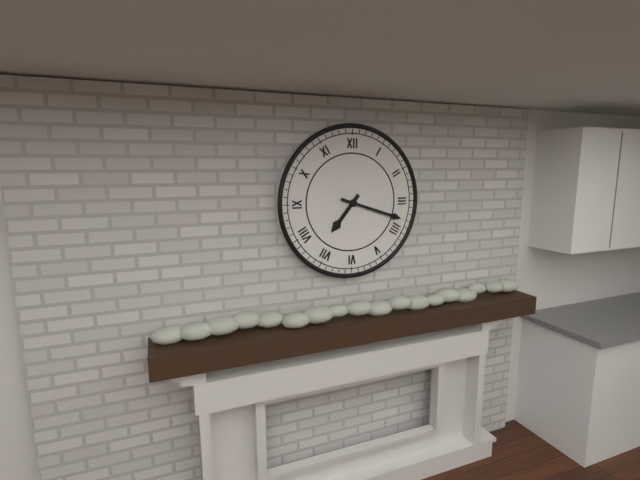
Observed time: 7:18
